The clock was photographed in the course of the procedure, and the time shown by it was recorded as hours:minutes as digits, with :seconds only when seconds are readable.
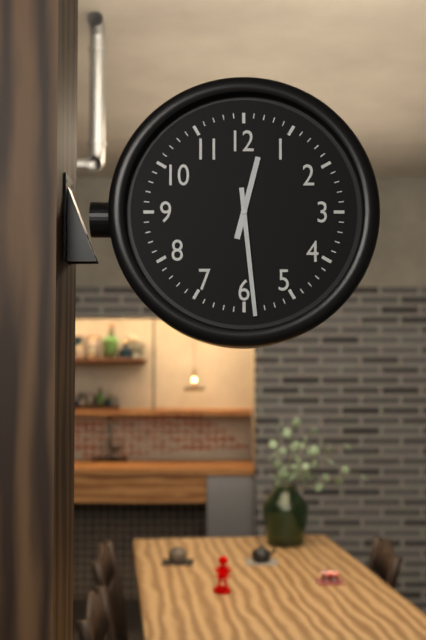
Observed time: 12:29
